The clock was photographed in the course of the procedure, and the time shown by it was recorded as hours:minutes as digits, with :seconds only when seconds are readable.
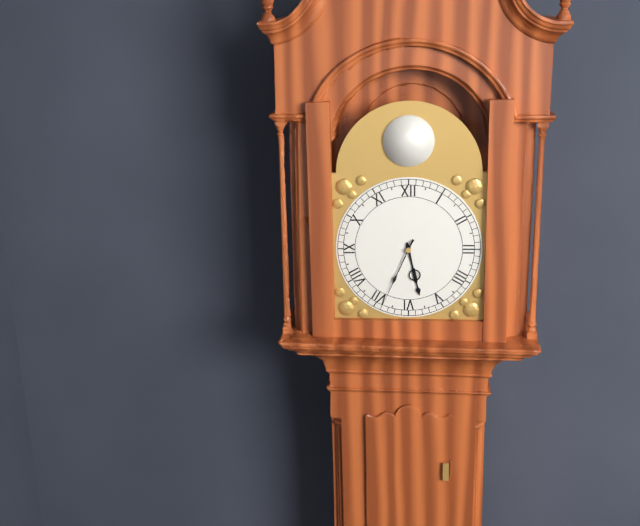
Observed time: 5:34
